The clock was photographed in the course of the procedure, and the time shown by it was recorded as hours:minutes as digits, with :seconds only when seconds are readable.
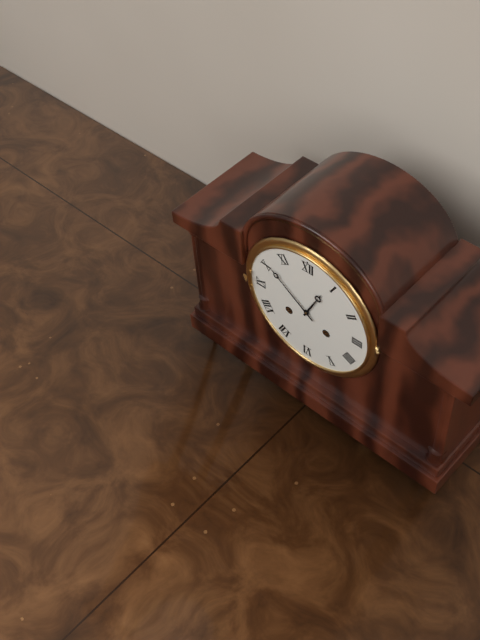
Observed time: 12:51
